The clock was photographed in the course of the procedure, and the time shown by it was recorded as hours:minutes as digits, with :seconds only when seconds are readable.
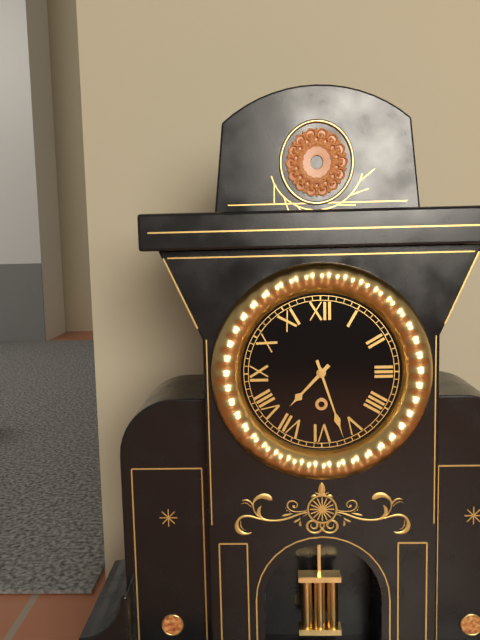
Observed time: 7:27
